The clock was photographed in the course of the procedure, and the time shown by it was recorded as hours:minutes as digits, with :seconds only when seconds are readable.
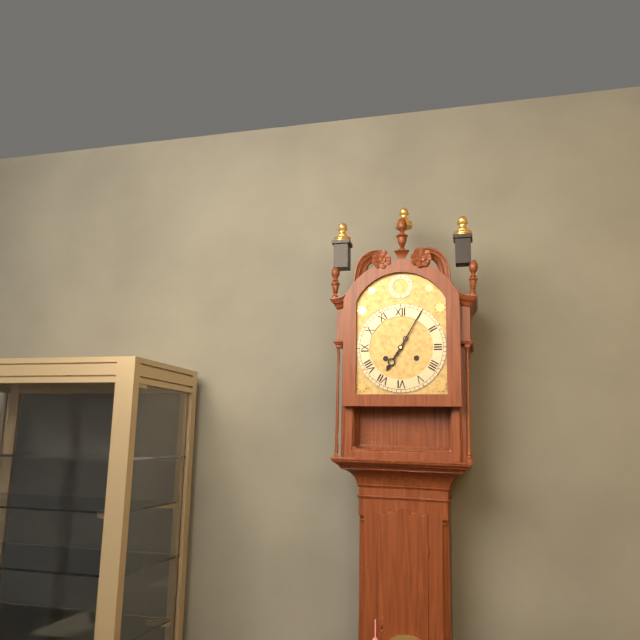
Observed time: 7:05
